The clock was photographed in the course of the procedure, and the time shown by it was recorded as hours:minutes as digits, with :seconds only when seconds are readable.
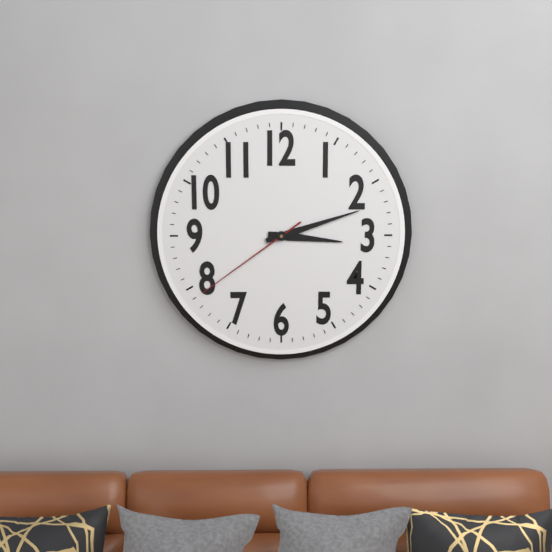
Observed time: 3:12:39
